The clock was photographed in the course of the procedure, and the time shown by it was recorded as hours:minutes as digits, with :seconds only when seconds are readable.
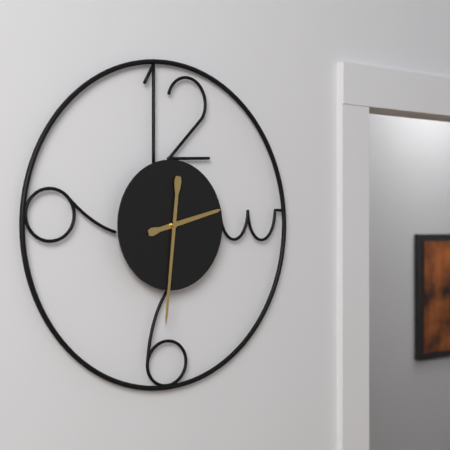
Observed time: 2:31
